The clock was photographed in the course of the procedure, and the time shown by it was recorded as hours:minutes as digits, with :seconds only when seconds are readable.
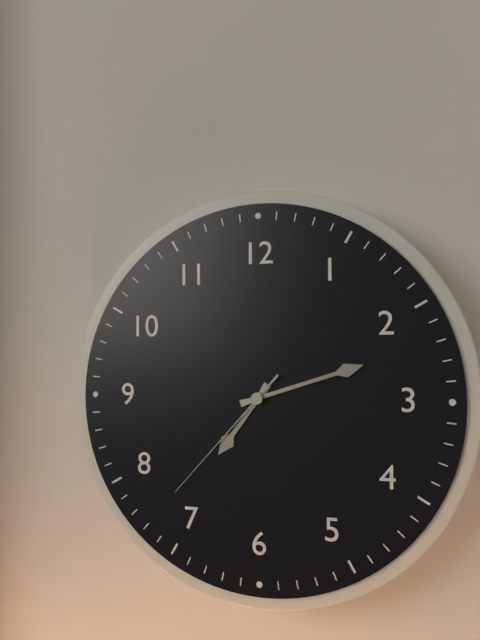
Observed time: 7:12:37
